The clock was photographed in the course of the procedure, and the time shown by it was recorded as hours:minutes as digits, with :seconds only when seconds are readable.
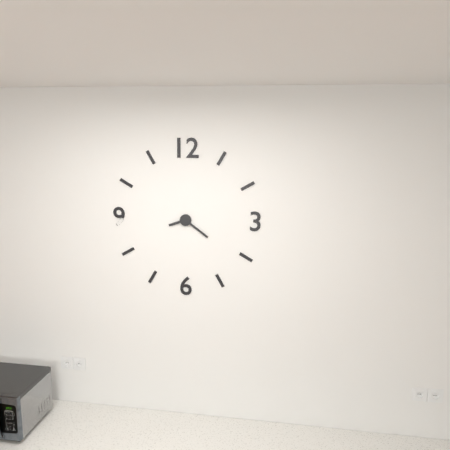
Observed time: 8:21
